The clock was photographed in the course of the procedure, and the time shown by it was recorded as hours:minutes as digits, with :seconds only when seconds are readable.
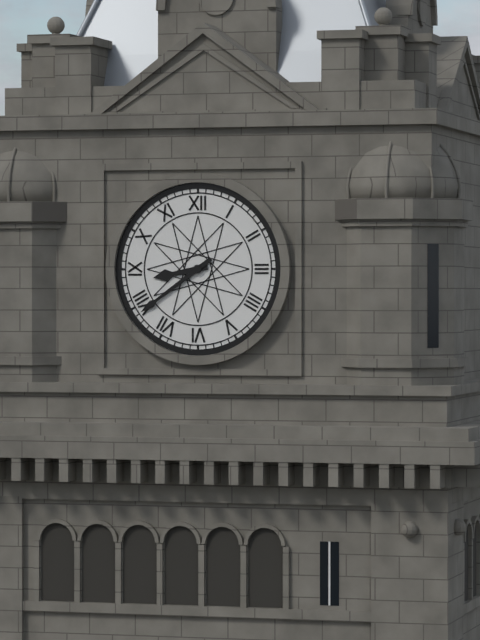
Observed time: 8:39
